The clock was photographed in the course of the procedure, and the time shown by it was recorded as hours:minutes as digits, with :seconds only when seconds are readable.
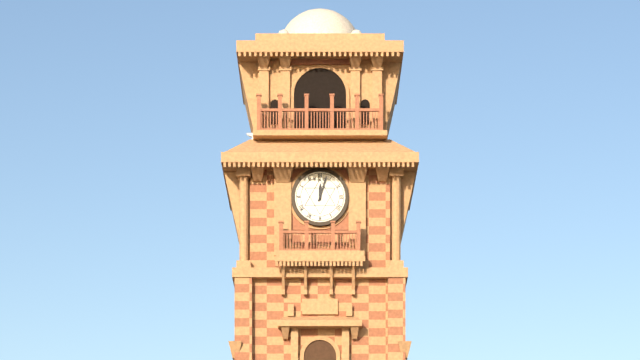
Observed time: 12:03
